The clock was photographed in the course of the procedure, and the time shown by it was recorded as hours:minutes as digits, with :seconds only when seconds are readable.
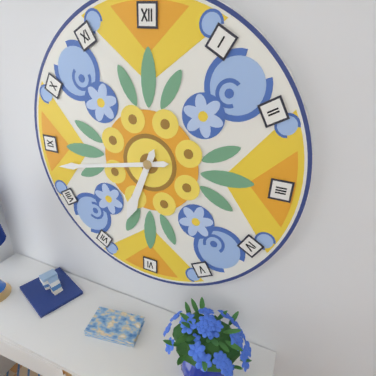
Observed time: 6:43
